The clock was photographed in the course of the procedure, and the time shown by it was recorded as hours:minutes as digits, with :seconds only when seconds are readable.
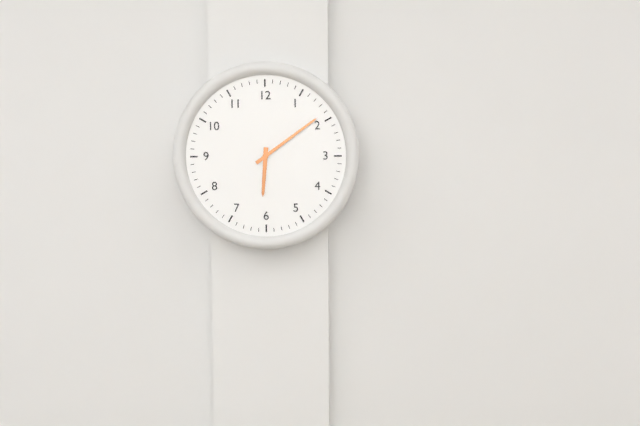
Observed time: 6:09
